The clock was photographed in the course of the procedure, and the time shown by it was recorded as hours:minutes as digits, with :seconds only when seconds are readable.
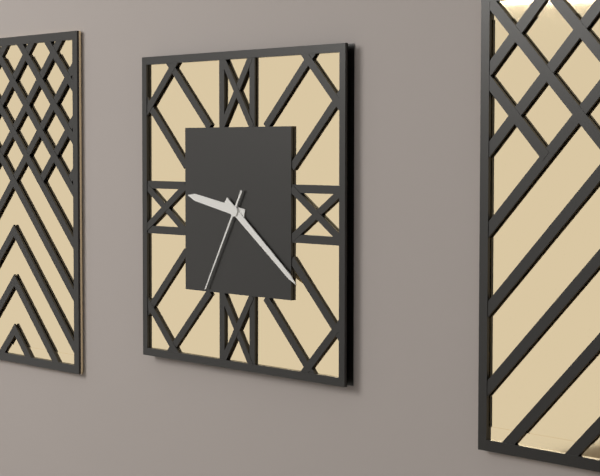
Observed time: 9:21:35
